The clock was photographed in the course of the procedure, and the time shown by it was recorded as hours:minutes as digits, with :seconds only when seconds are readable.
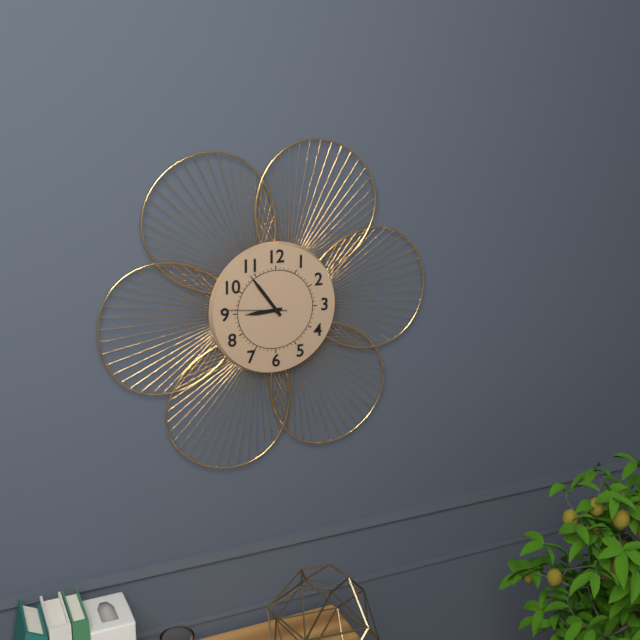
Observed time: 8:54:46
